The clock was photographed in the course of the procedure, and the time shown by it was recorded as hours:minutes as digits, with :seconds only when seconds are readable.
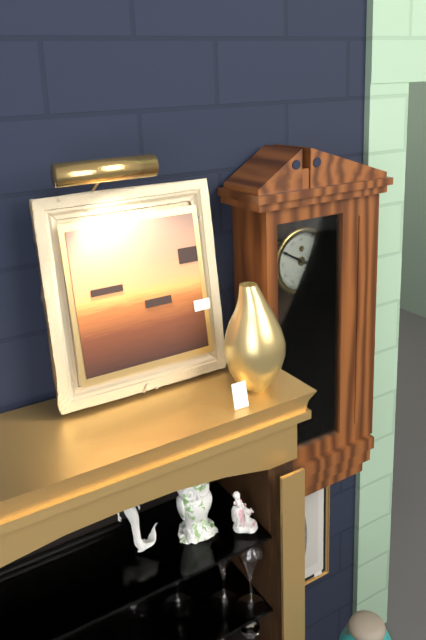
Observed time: 3:50
